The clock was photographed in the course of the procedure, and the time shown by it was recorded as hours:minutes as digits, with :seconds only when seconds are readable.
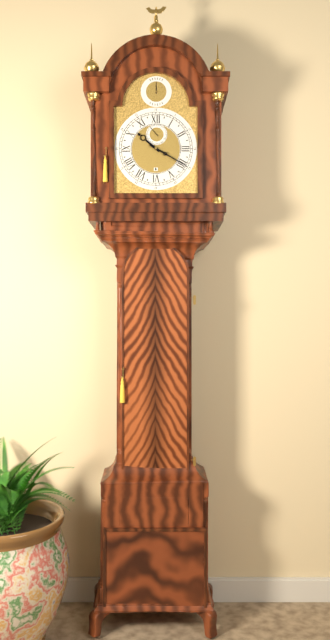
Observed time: 10:20
